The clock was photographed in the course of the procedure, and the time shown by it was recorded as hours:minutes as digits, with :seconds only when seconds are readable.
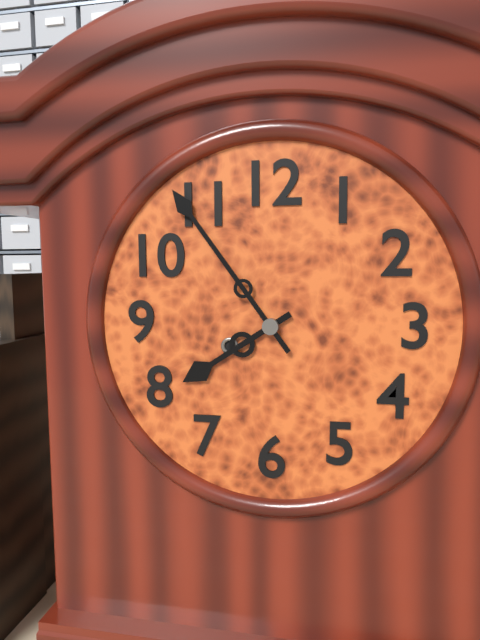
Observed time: 7:54
